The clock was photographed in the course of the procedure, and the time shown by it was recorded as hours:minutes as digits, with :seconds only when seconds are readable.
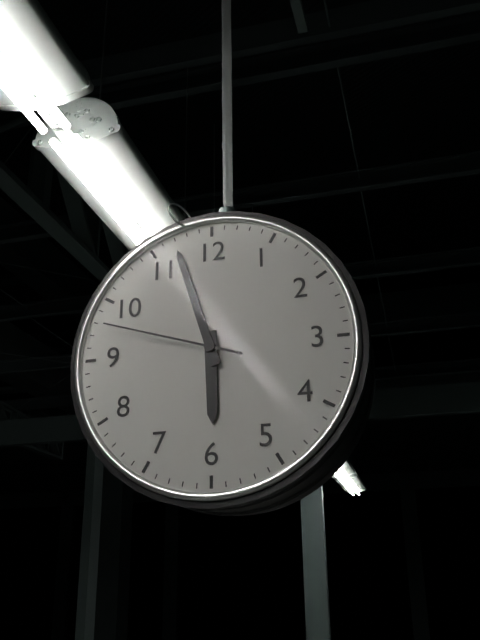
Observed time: 5:57:48
